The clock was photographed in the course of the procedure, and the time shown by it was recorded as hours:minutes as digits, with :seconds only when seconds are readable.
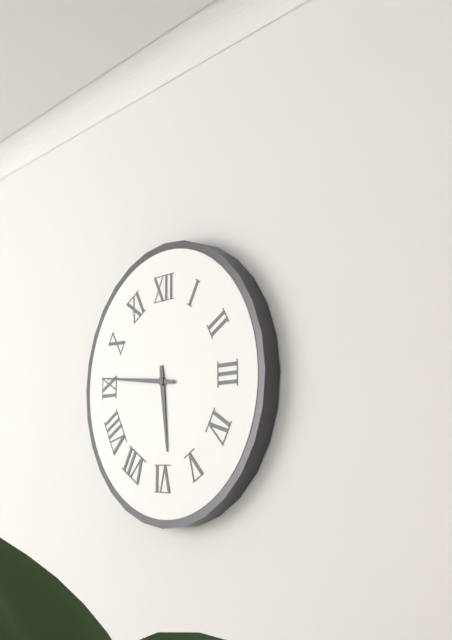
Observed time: 5:46
